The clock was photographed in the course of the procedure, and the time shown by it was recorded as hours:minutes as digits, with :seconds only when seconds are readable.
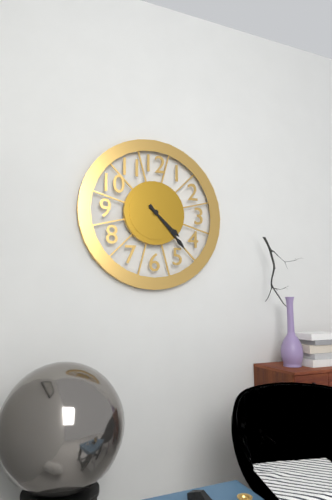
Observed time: 4:23
